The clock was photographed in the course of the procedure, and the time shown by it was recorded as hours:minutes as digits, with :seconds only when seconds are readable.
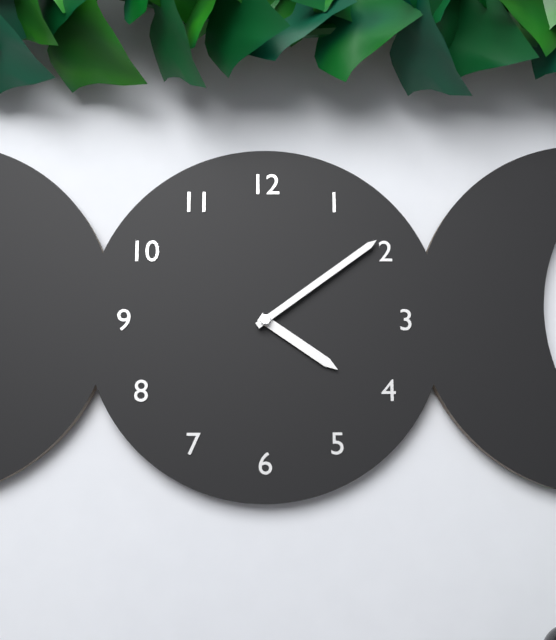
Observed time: 4:09
